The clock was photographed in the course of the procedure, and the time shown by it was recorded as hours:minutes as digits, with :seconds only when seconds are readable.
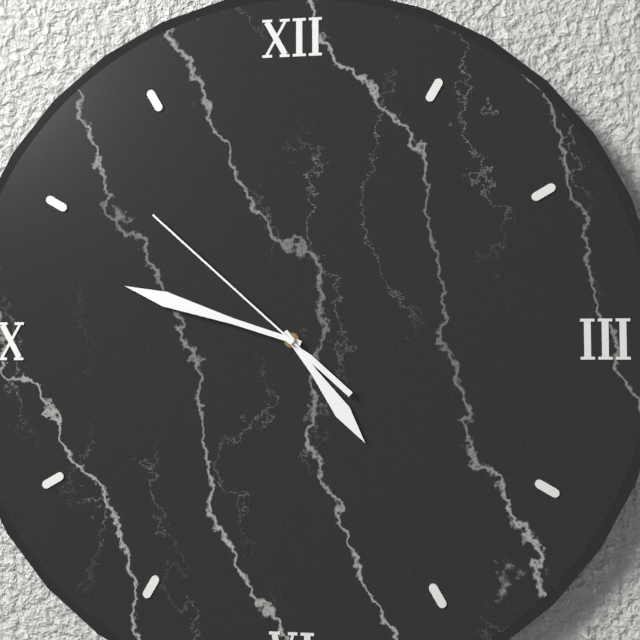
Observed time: 4:48:52
